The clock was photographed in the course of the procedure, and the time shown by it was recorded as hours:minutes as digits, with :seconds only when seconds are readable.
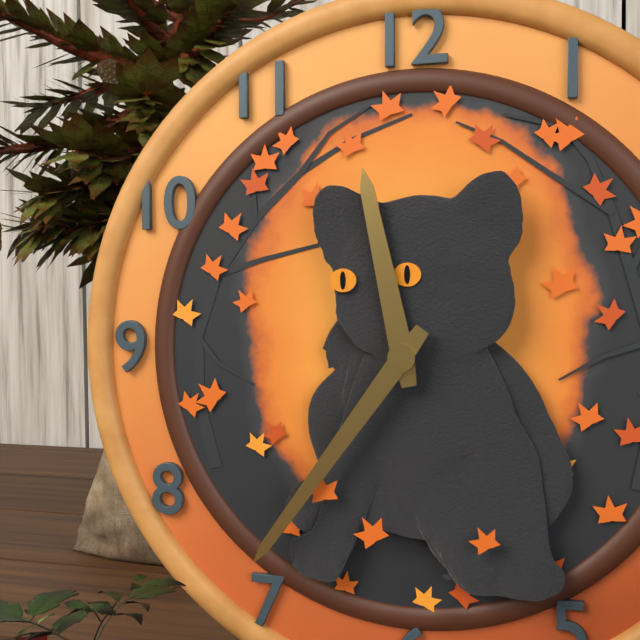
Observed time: 11:36
